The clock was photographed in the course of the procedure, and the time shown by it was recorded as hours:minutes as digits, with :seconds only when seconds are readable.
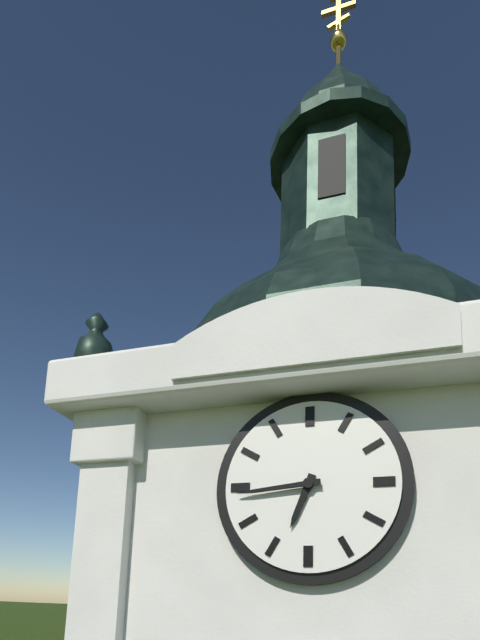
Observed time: 6:44
